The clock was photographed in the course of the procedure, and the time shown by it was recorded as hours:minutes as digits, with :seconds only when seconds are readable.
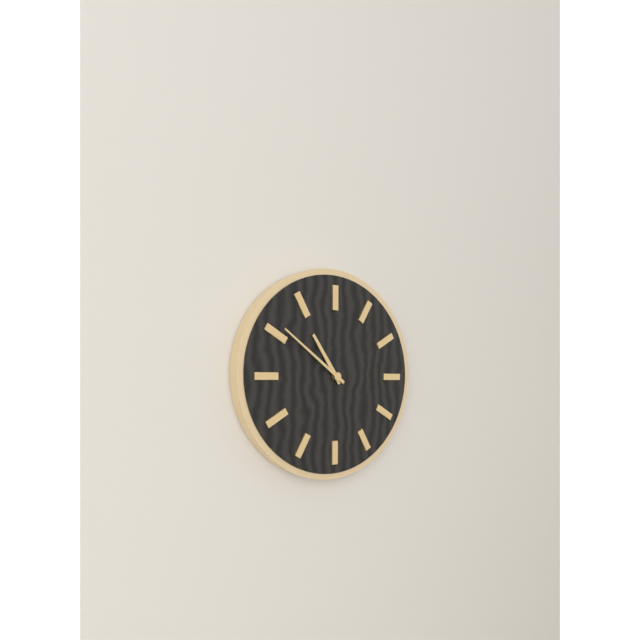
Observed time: 10:51
